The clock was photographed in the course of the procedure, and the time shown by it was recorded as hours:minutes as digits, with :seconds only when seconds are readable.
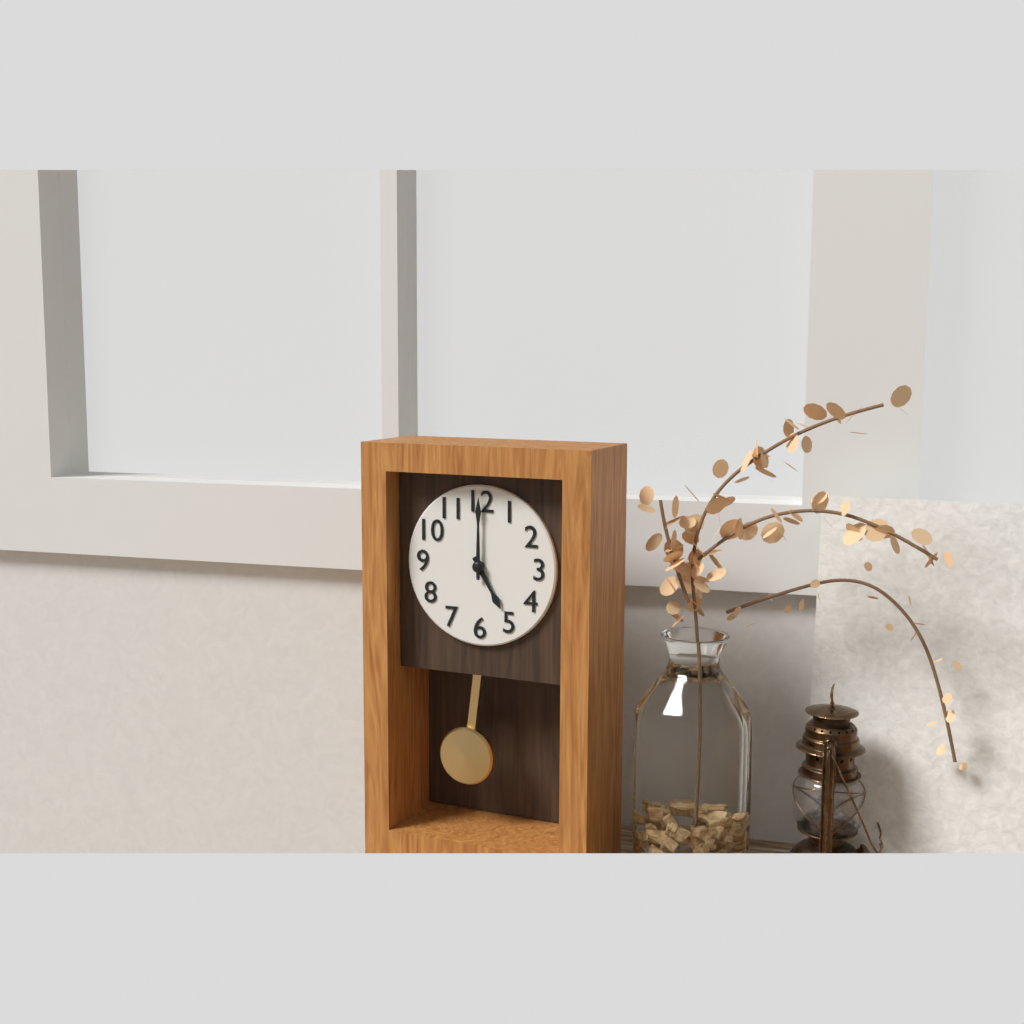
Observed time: 5:00
